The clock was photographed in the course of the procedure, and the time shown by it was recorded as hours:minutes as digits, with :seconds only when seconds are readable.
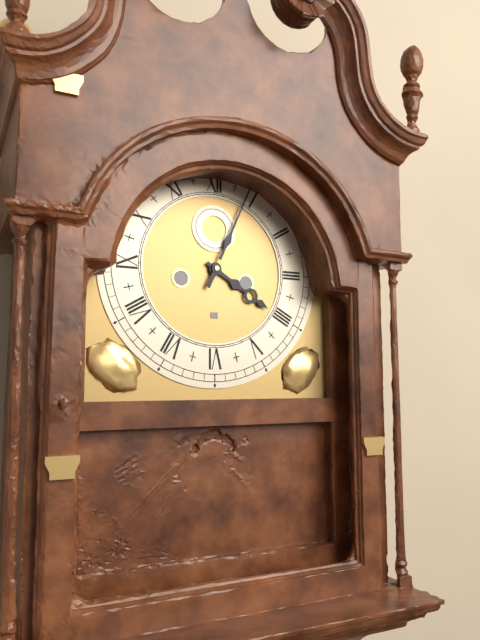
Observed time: 4:04
